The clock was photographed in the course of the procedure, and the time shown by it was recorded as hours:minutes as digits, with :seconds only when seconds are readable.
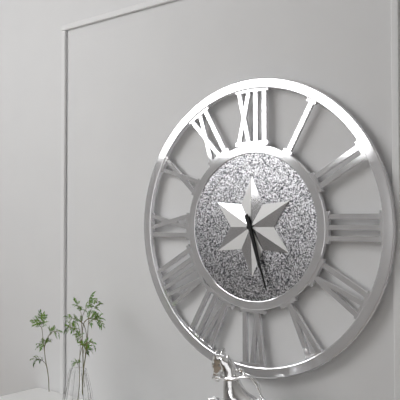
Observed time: 5:27
